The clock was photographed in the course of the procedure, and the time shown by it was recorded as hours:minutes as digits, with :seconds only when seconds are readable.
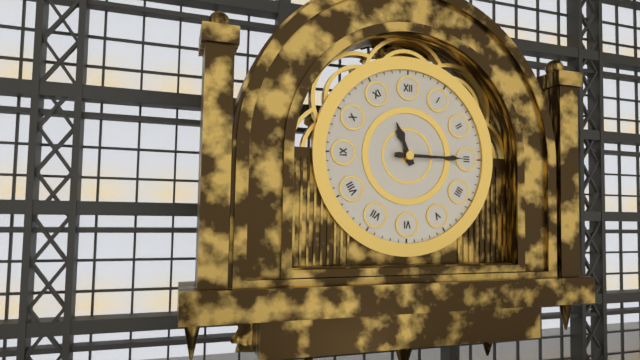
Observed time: 11:15
